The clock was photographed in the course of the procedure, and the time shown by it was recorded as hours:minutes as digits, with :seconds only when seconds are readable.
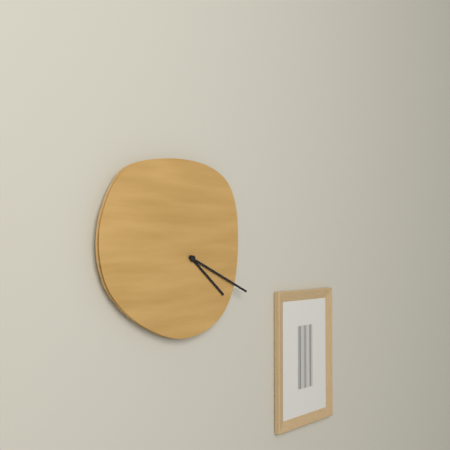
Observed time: 4:19
